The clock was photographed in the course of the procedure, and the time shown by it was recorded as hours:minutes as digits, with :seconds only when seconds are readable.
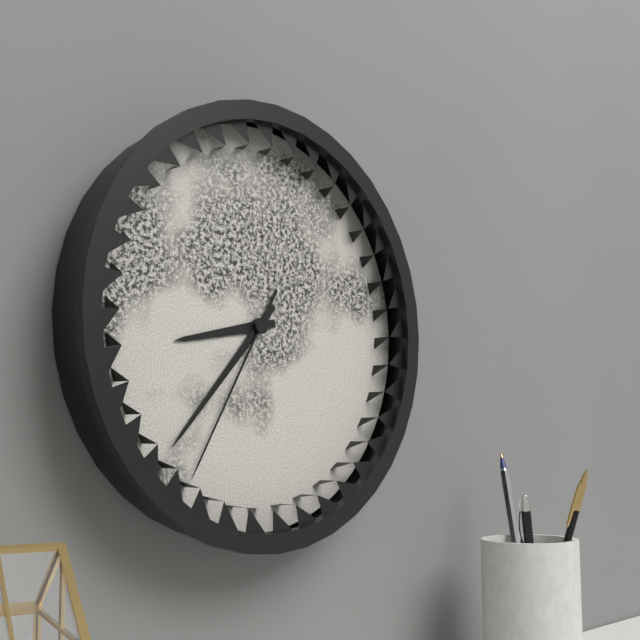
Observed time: 8:37:35
